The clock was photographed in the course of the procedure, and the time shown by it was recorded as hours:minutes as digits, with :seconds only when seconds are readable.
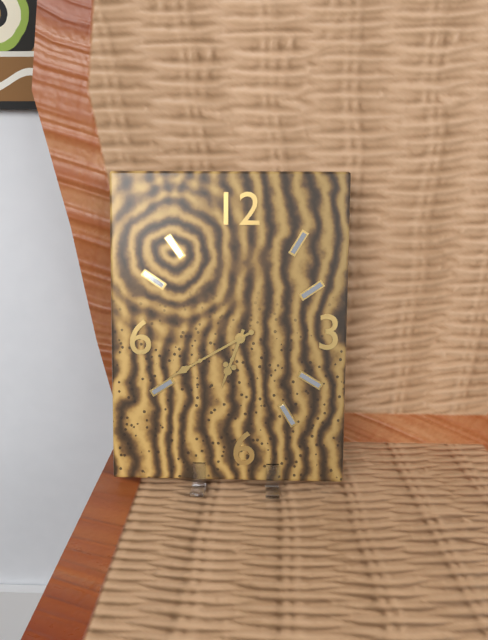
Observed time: 6:40
